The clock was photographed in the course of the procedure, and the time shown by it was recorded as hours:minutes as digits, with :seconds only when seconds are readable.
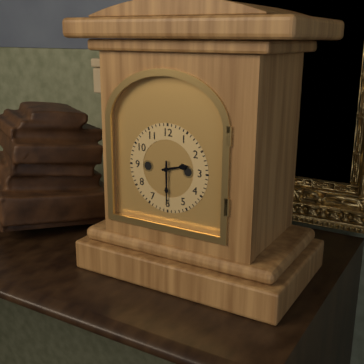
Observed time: 2:30
